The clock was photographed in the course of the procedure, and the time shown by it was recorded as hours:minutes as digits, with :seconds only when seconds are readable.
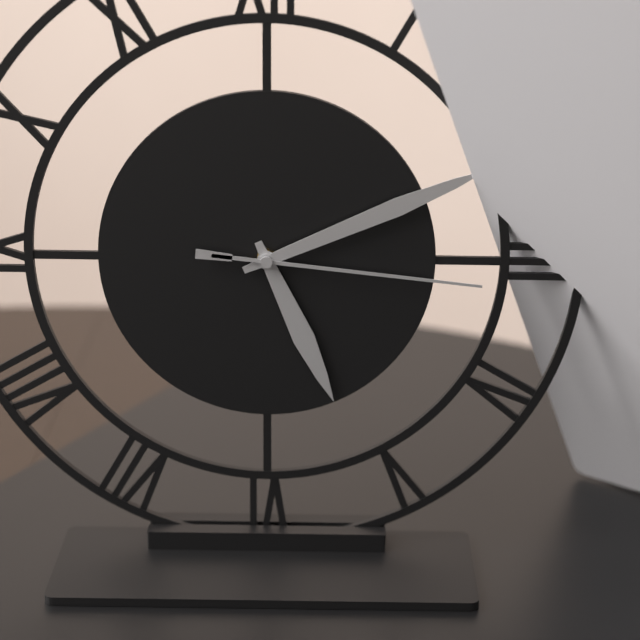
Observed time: 5:11:16
